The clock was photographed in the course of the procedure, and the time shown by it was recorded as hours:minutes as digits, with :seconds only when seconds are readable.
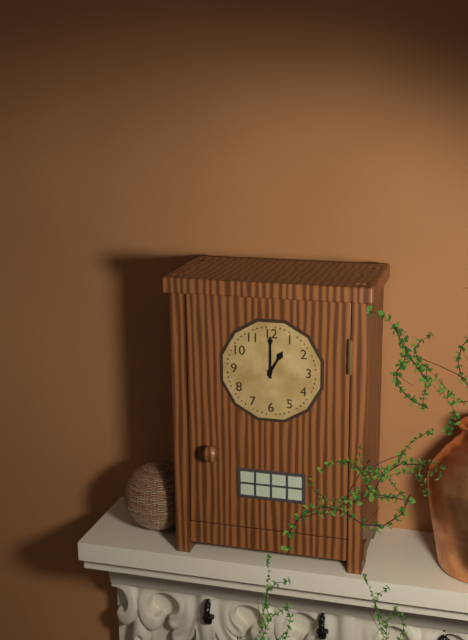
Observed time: 1:00
